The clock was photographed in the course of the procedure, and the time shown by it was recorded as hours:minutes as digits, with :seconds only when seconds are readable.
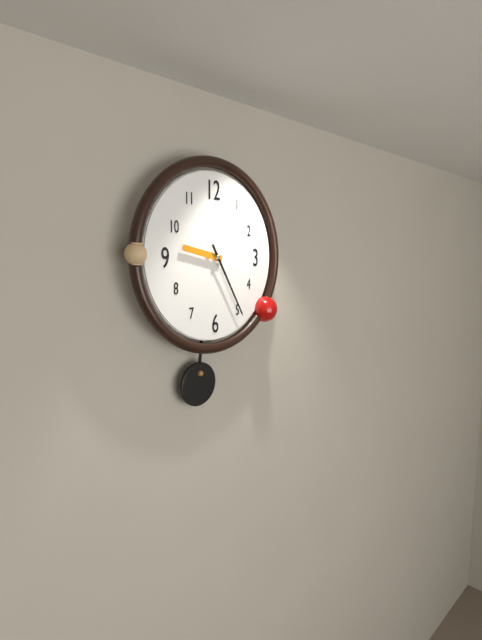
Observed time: 9:25
